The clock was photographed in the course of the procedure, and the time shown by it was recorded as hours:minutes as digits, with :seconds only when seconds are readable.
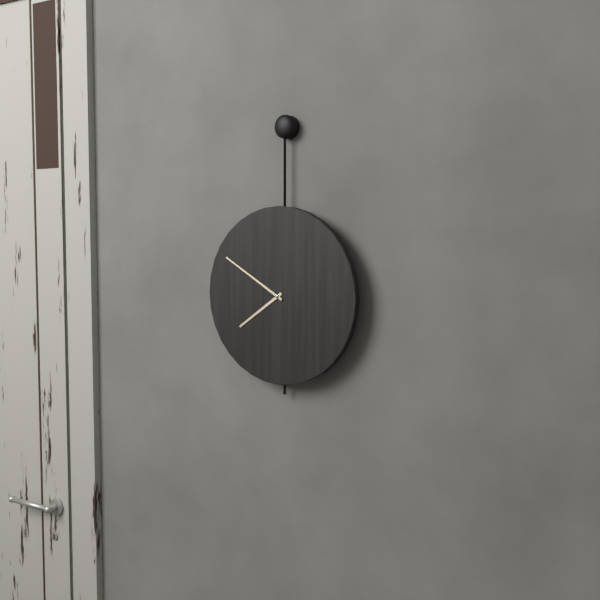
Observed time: 7:50
